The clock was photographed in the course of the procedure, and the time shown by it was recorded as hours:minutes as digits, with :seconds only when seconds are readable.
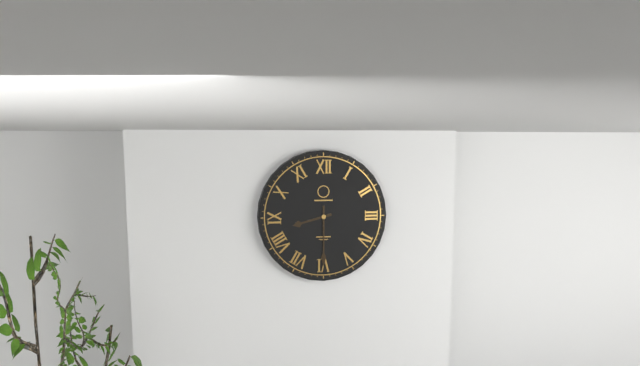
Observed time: 8:30
